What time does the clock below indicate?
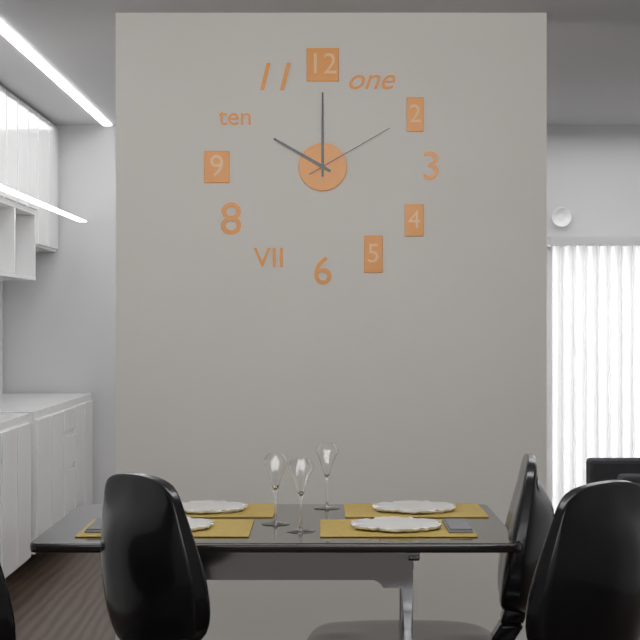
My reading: 10:00:10
